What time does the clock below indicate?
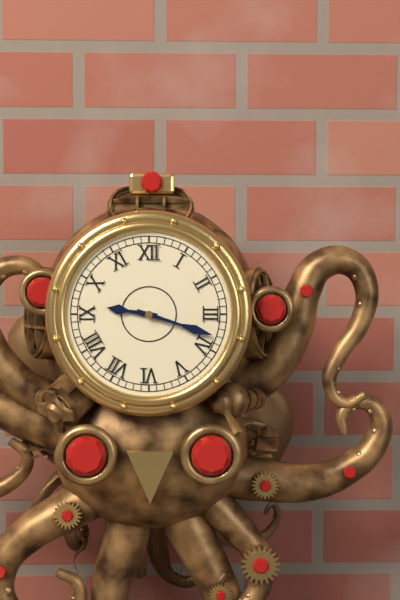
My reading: 9:18
